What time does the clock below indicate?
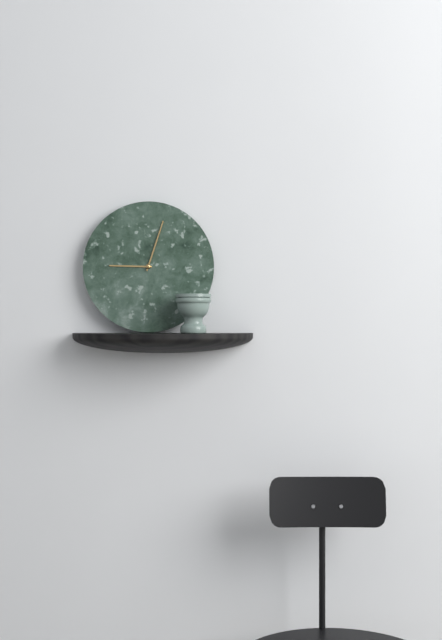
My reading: 9:03
